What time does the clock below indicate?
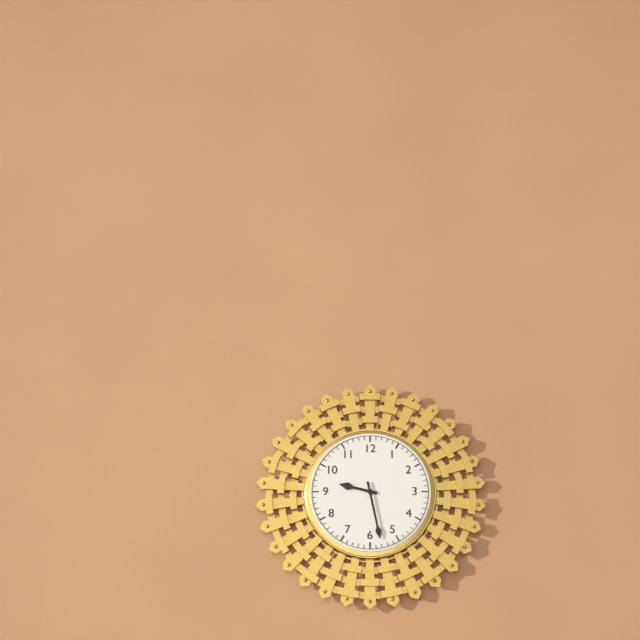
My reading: 9:28
